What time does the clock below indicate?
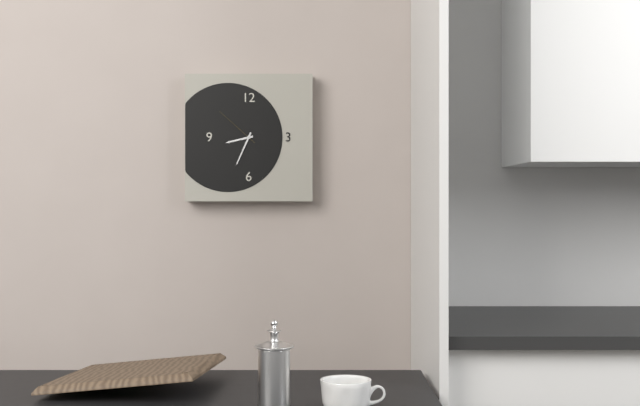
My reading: 8:34
